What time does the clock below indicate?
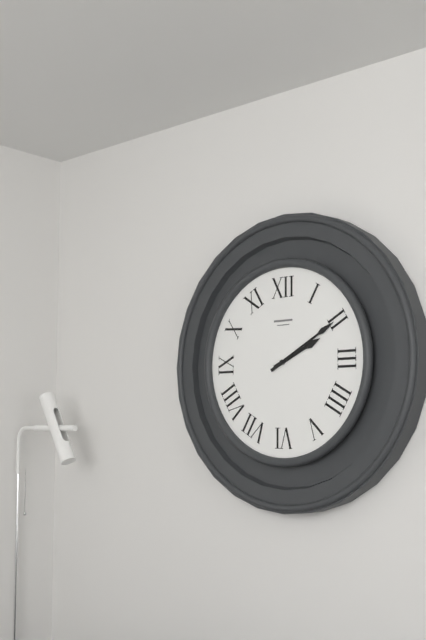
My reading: 2:10
